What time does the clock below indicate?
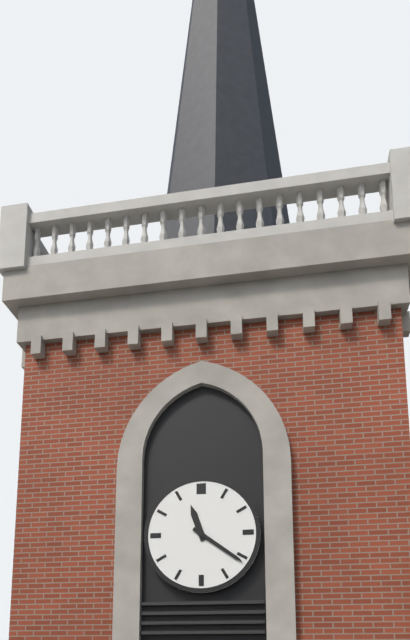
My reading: 11:21
